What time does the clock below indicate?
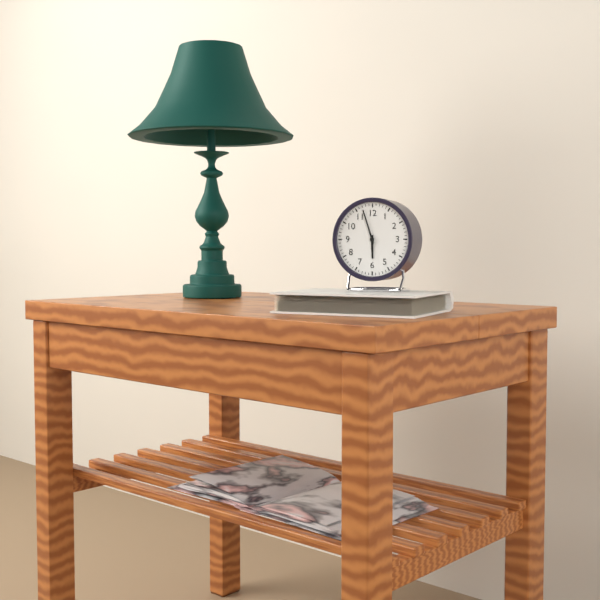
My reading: 5:57
